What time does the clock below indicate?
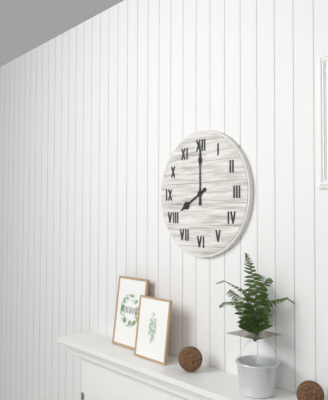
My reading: 8:00
